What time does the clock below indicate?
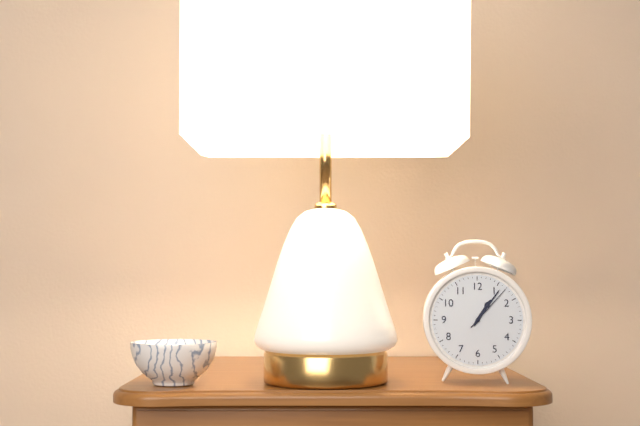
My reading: 1:06:07
